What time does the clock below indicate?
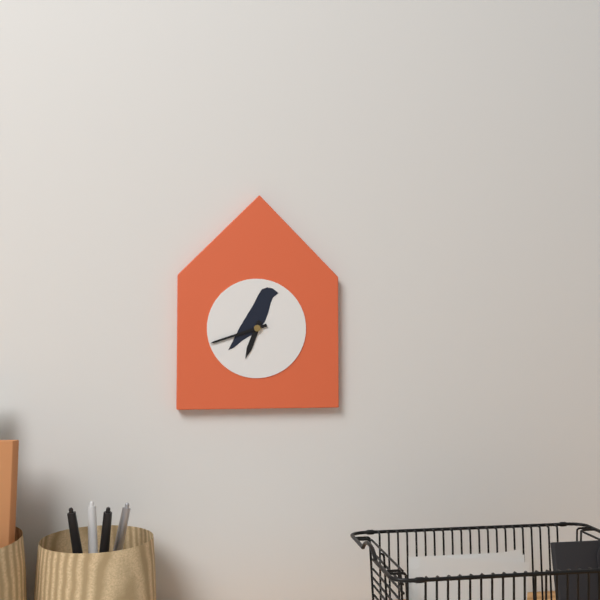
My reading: 6:42
